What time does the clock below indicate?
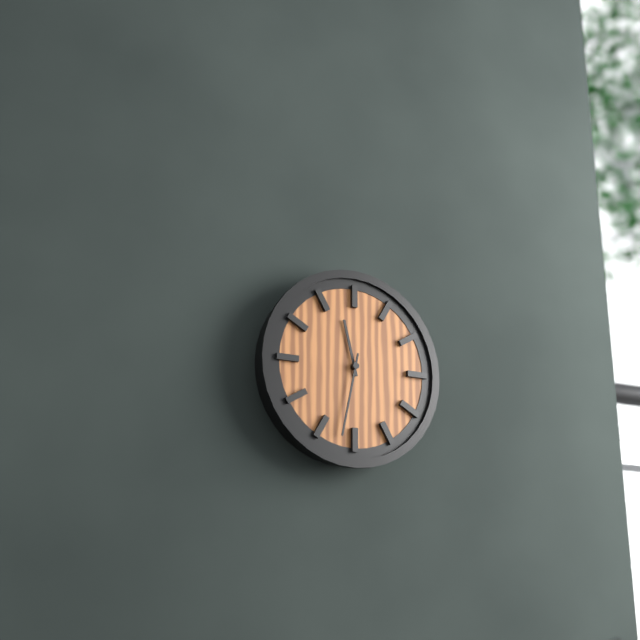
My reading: 11:32
